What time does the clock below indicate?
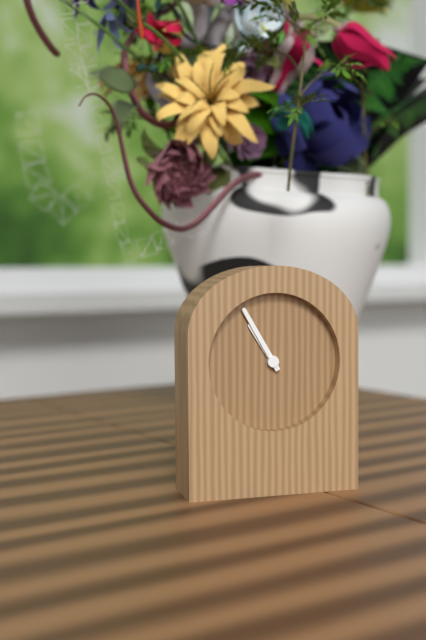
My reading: 10:55
